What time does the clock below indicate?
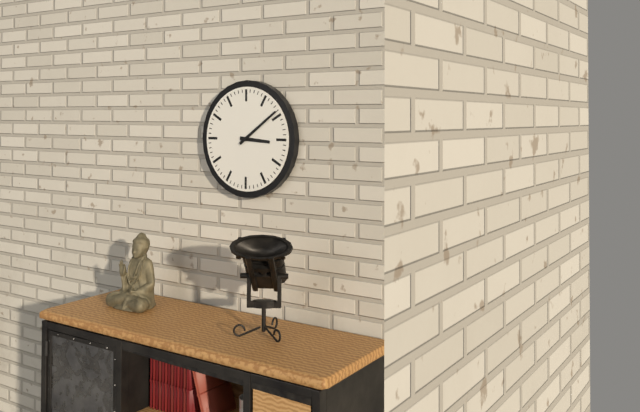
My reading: 3:09
